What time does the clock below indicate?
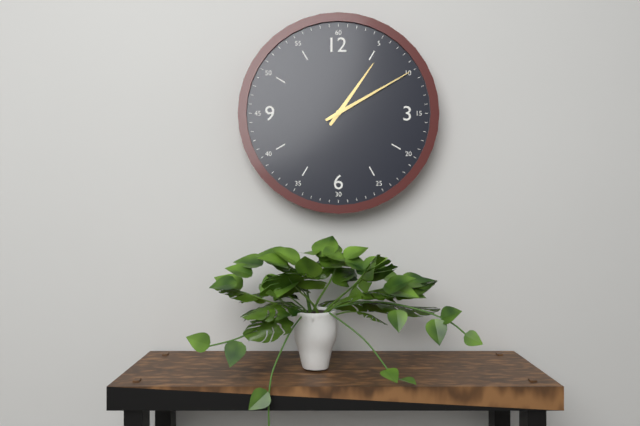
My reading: 1:10
